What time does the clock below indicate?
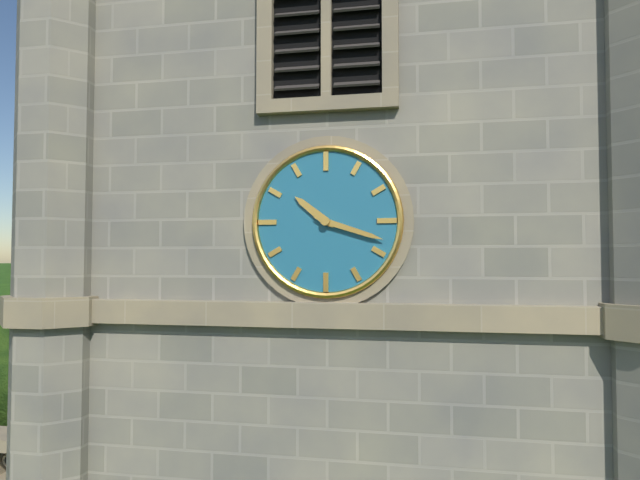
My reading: 10:18
